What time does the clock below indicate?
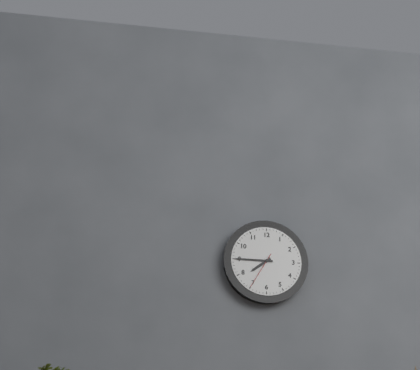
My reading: 7:45
